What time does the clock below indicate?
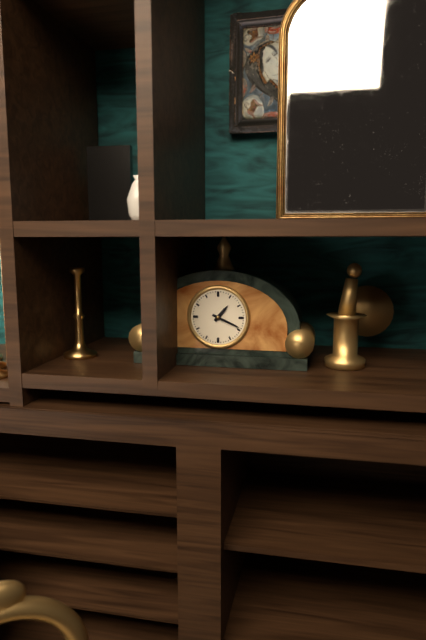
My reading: 1:19
